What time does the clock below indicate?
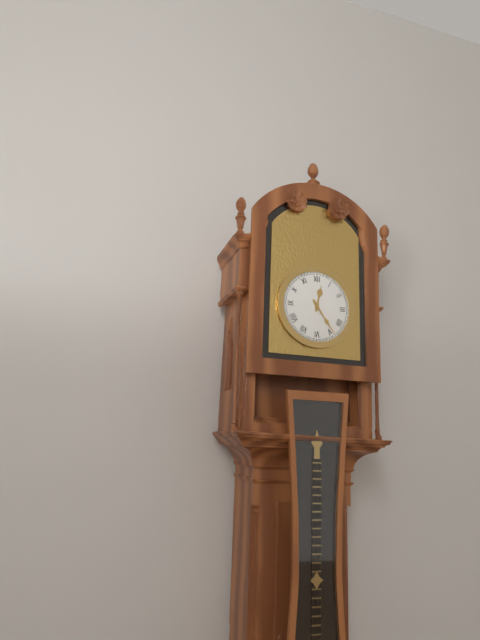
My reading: 12:24
